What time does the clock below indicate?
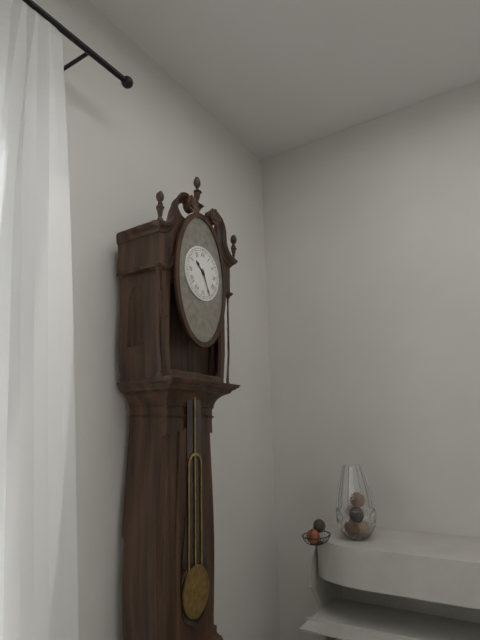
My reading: 10:26
